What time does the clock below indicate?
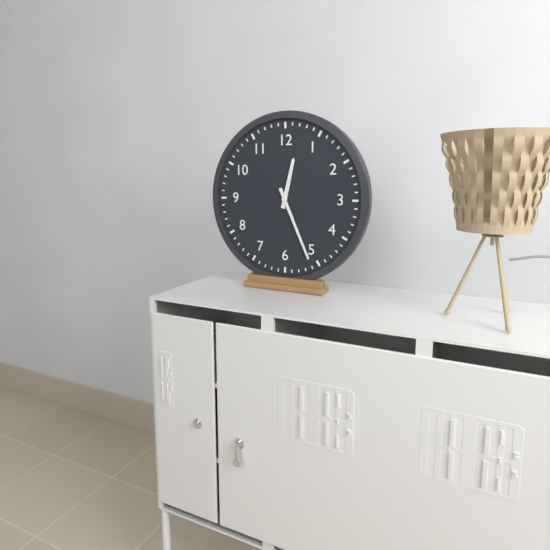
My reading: 12:26
